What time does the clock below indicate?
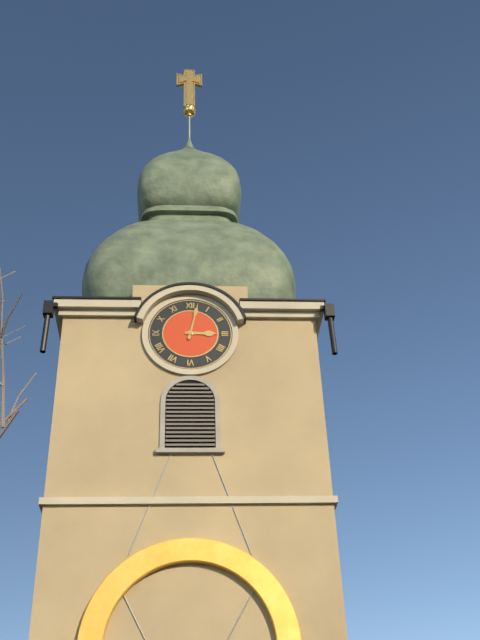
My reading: 3:02
